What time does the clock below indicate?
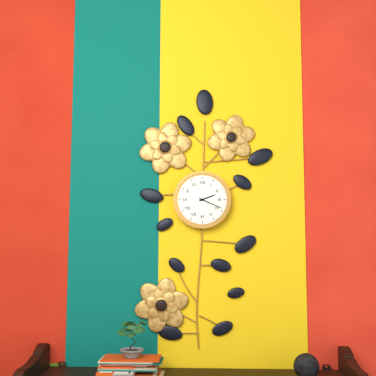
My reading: 2:19
